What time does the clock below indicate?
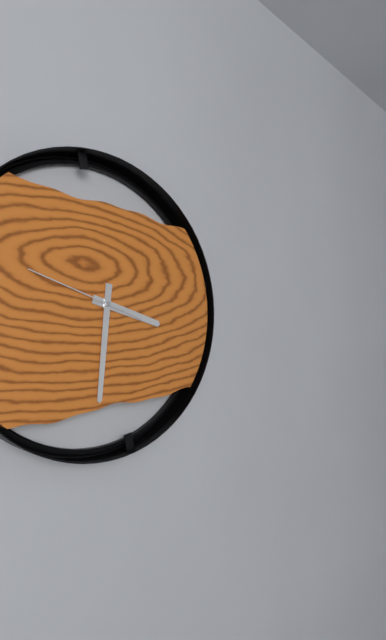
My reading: 3:31:48
